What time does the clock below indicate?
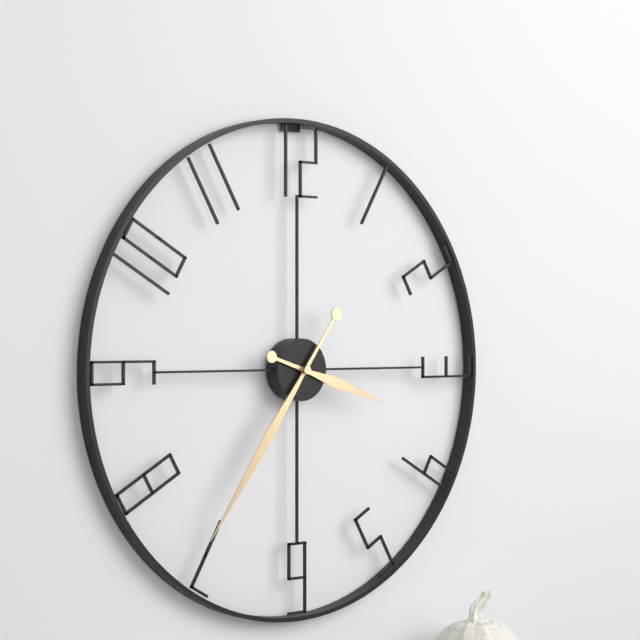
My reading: 3:36
